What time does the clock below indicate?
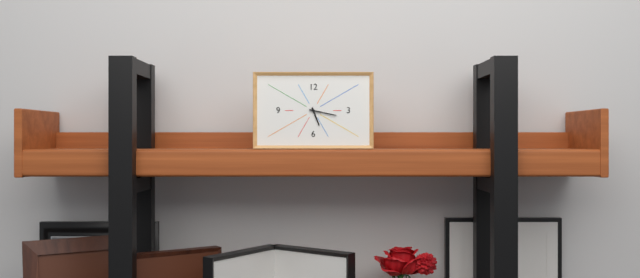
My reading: 5:17
